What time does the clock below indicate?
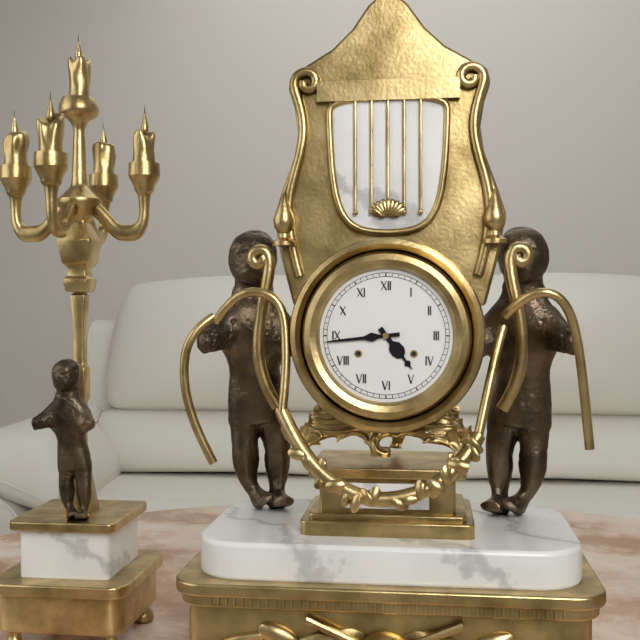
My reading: 4:44
